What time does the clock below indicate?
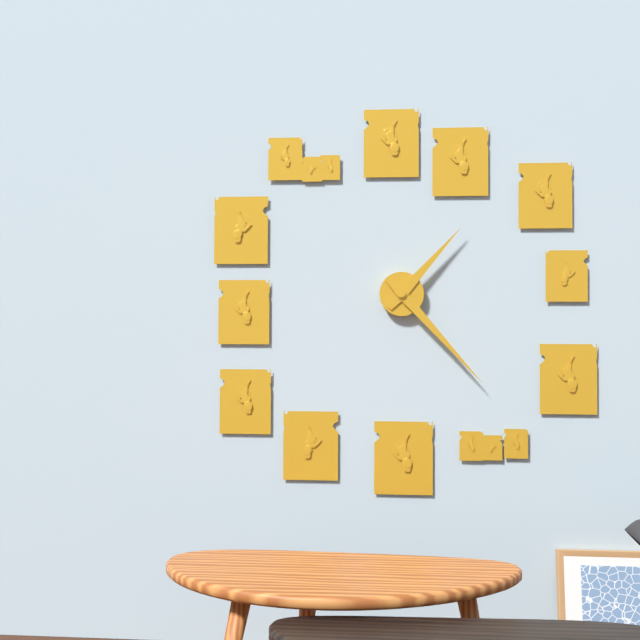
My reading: 1:23
